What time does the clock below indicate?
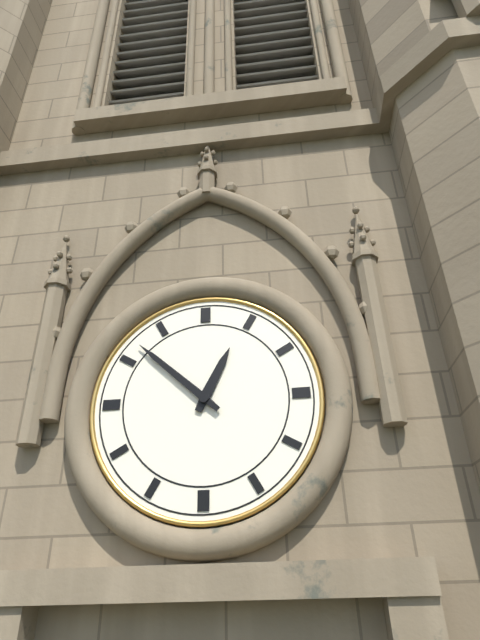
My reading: 12:52
